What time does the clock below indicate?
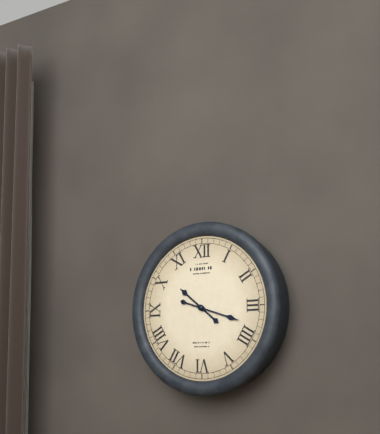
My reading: 10:18
